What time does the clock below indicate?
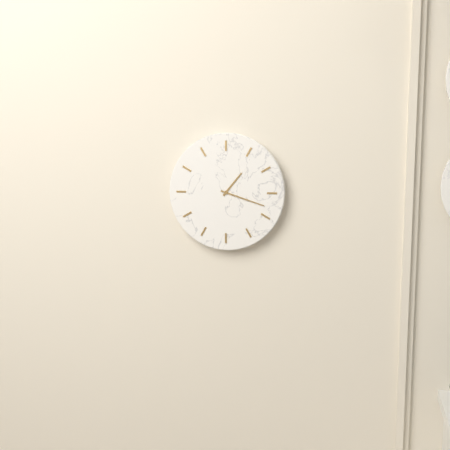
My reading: 1:18
